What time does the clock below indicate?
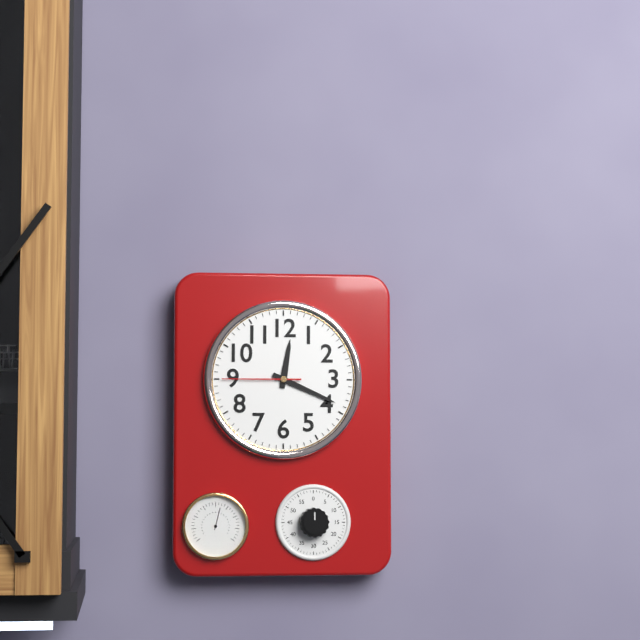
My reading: 12:19:45
